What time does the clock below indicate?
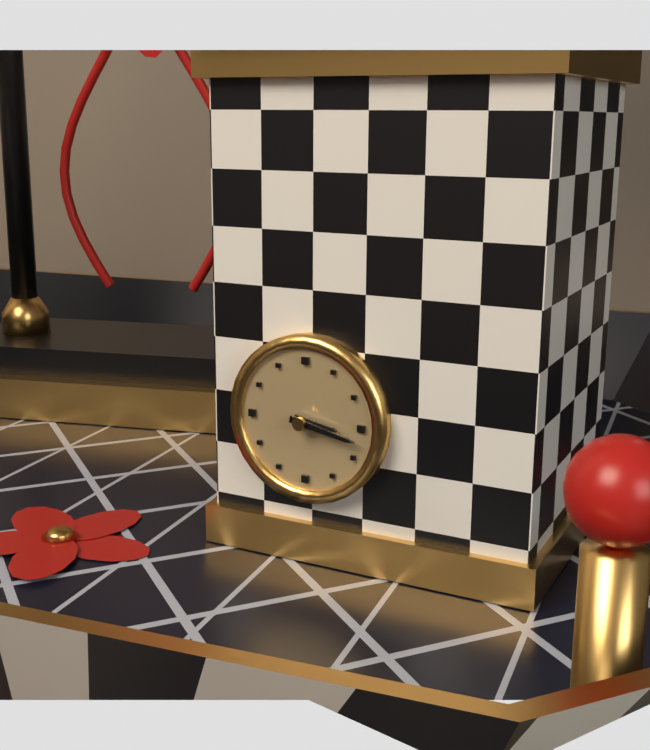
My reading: 3:17
